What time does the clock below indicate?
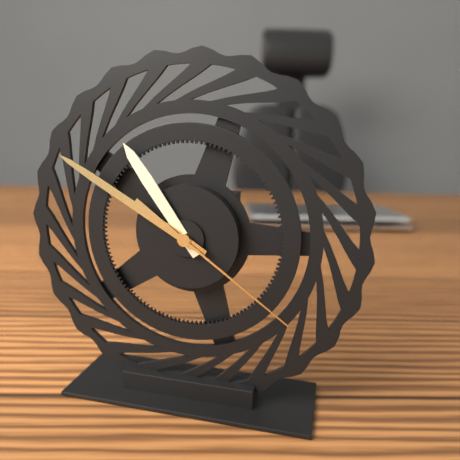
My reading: 10:50:21
